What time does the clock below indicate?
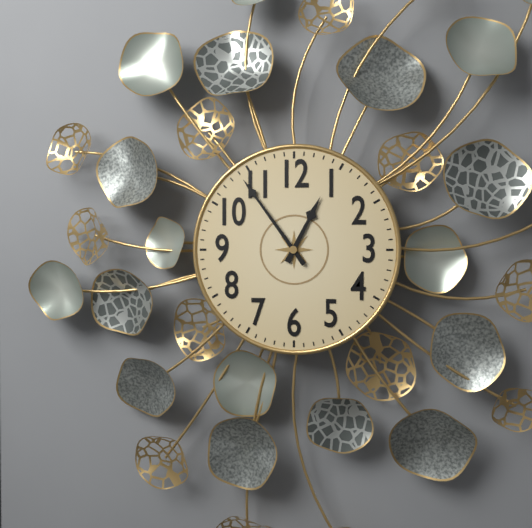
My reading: 12:54
